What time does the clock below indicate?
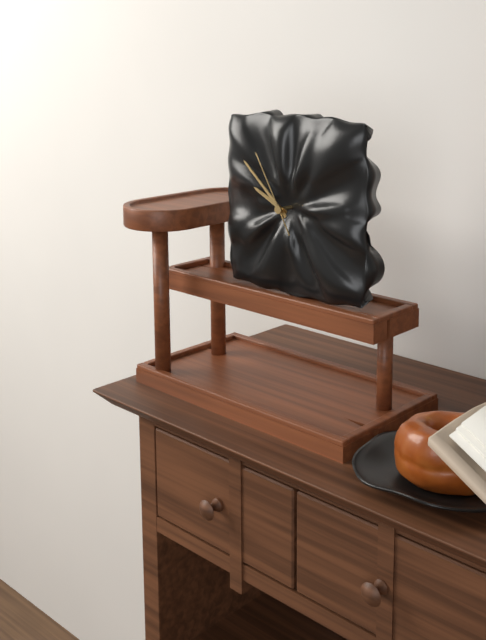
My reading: 9:52:55
